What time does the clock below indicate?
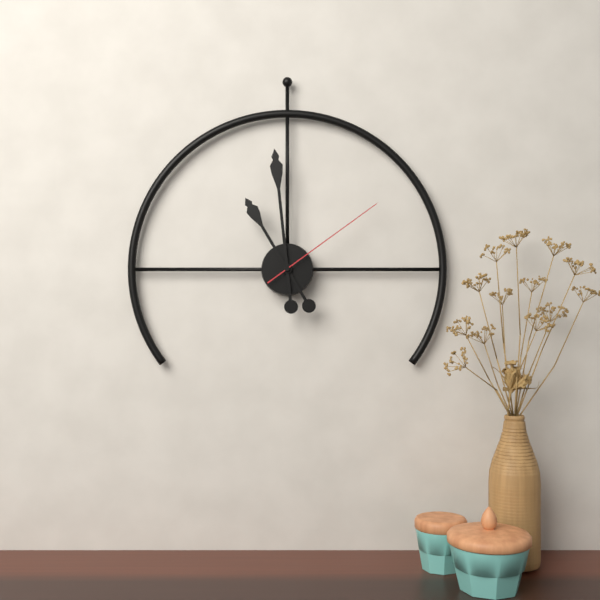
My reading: 10:59:09
